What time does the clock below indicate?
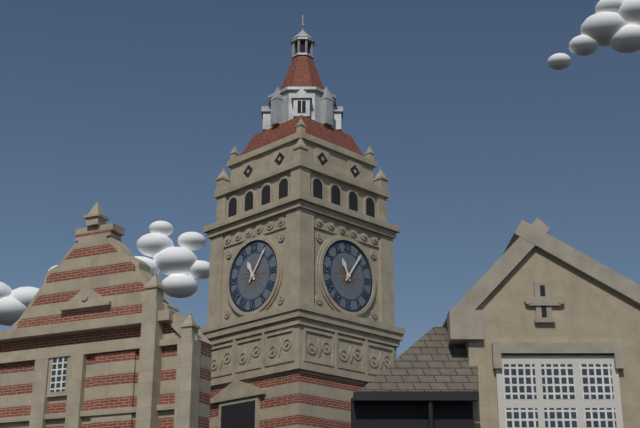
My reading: 11:06
